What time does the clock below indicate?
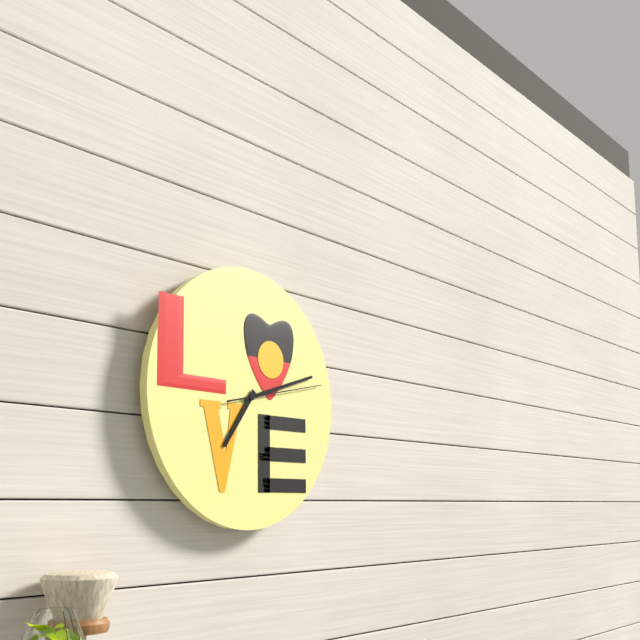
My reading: 7:12:13
